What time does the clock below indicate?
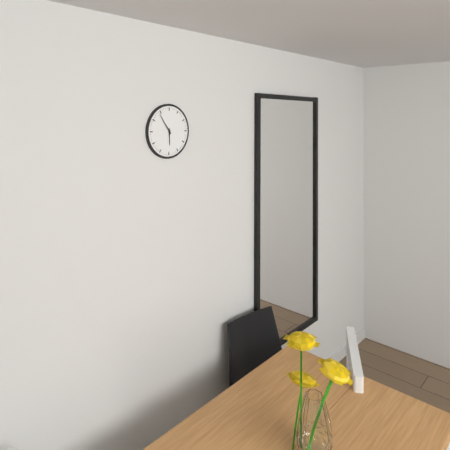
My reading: 5:54
